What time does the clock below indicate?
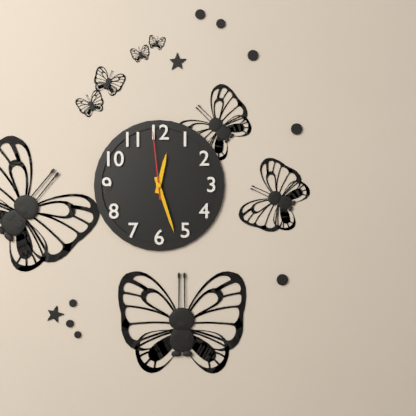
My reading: 12:27:59
